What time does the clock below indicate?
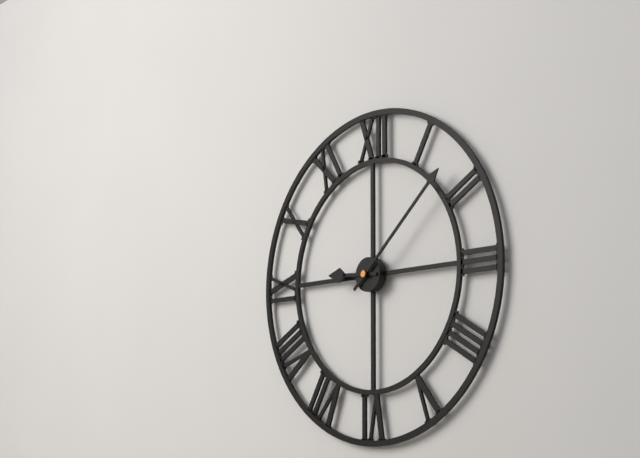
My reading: 9:08
